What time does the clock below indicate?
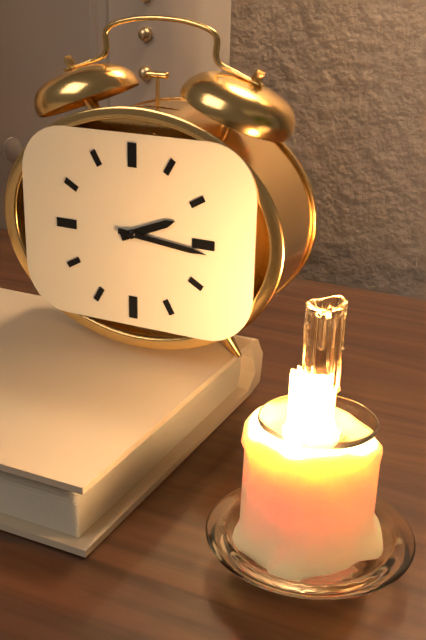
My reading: 2:16
